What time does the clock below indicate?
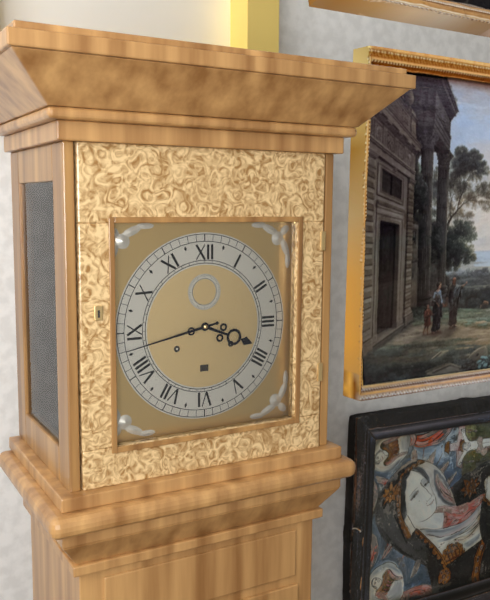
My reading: 3:43
